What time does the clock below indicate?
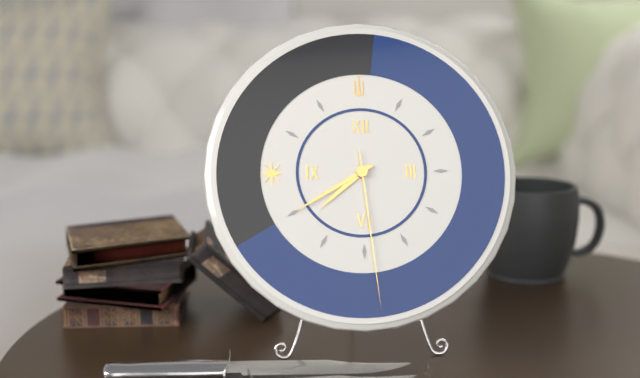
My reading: 7:40:29
